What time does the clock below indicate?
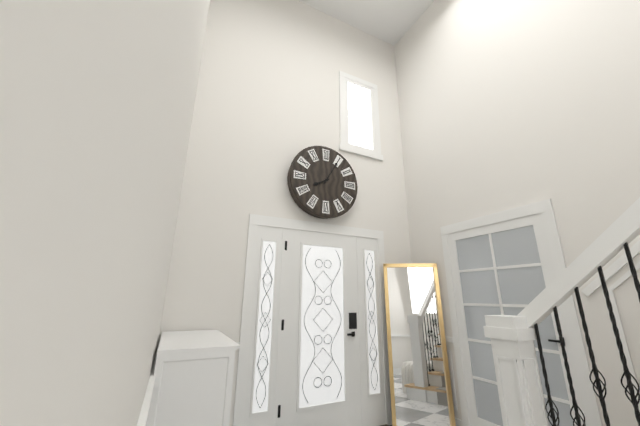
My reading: 8:05
